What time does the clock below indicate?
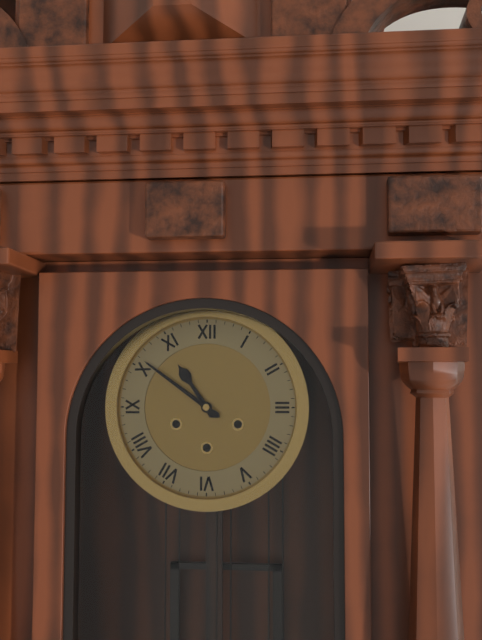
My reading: 10:51
